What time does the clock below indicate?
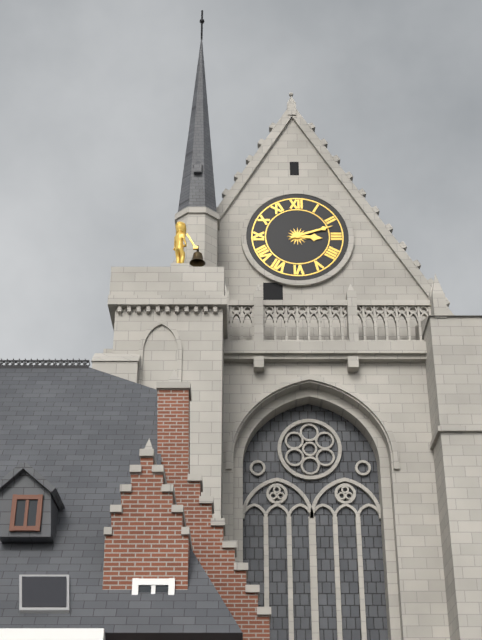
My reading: 3:12
